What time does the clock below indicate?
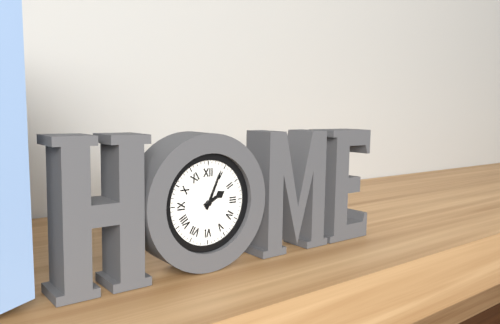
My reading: 2:04
